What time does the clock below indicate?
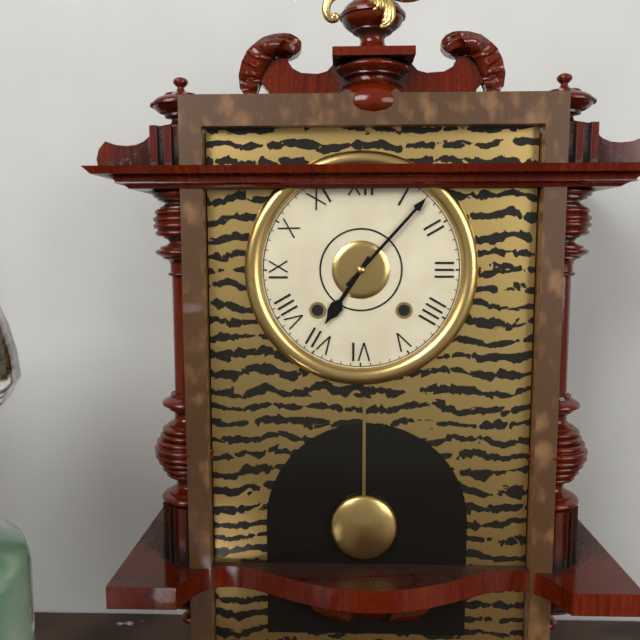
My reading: 7:07
